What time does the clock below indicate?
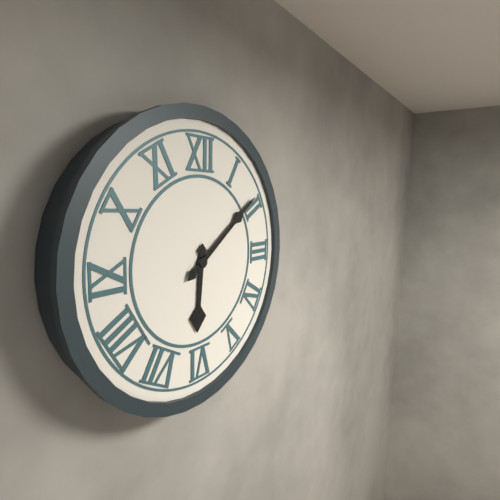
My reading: 6:09
